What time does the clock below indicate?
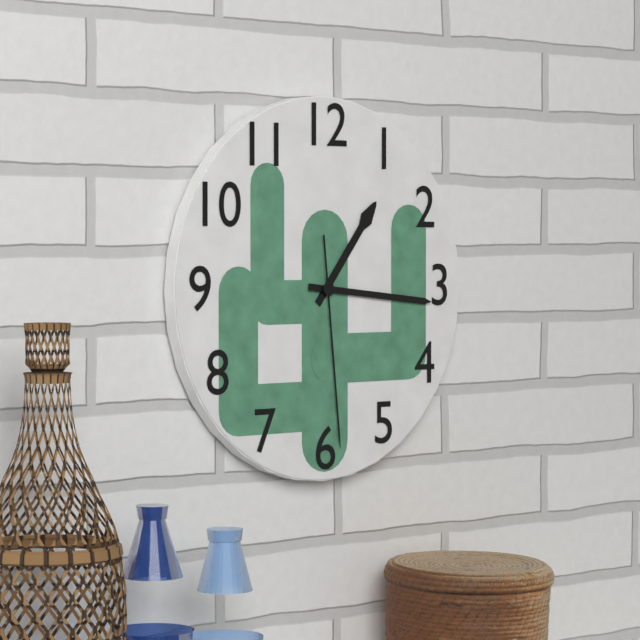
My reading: 1:16:29
